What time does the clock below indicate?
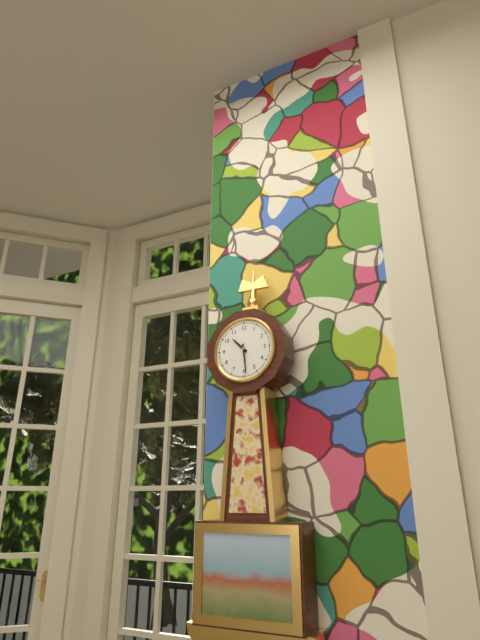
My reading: 10:29
